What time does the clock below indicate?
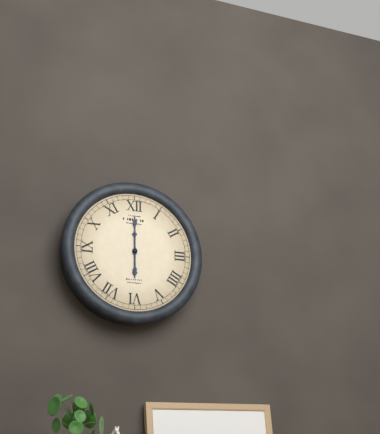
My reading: 6:00
